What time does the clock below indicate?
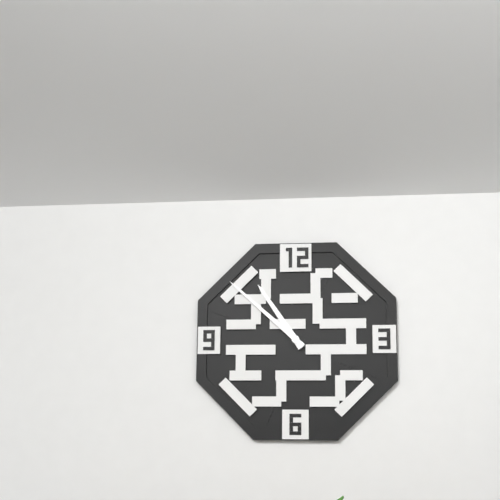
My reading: 10:52
